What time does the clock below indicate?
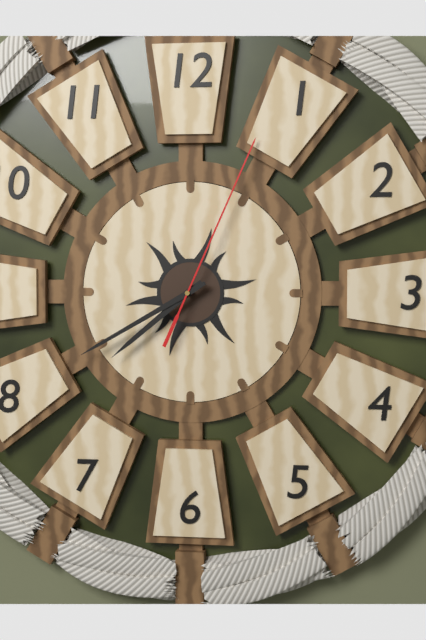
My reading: 7:40:04
